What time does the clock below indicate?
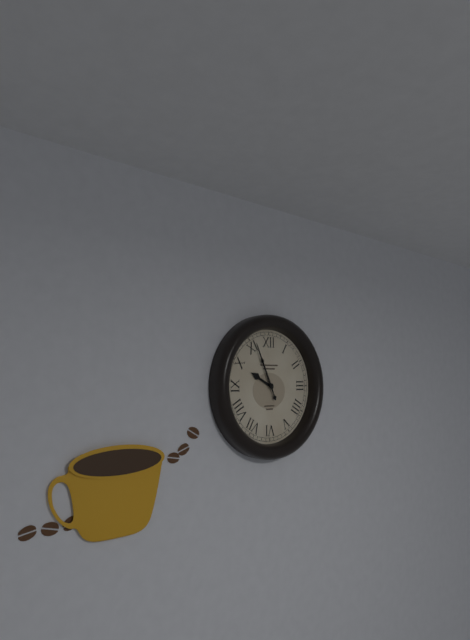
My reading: 9:56
